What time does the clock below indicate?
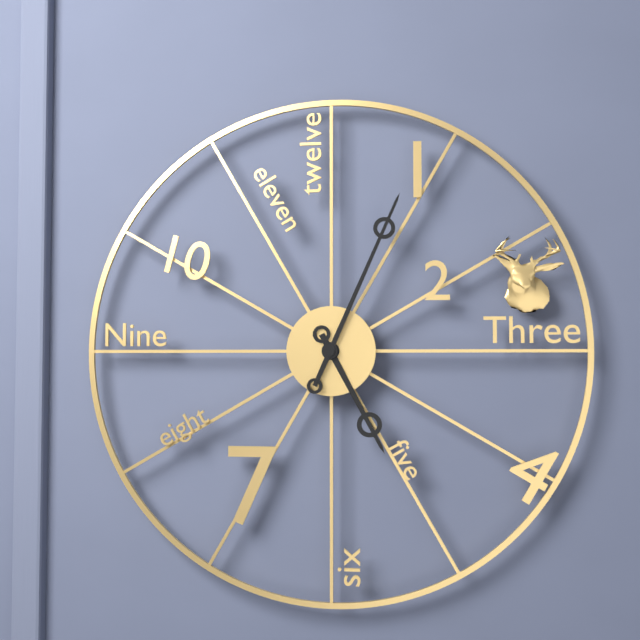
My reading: 5:04
